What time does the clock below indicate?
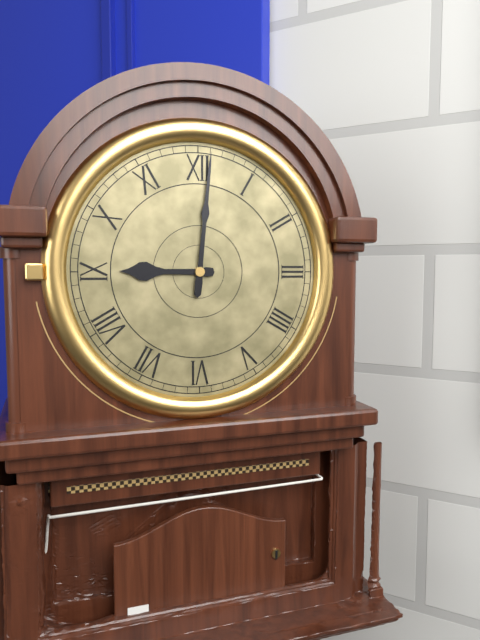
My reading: 9:01
